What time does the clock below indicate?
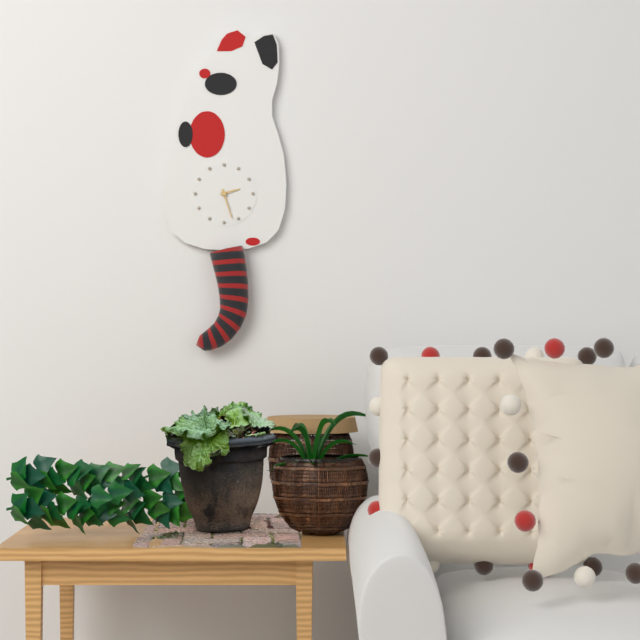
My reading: 2:27
